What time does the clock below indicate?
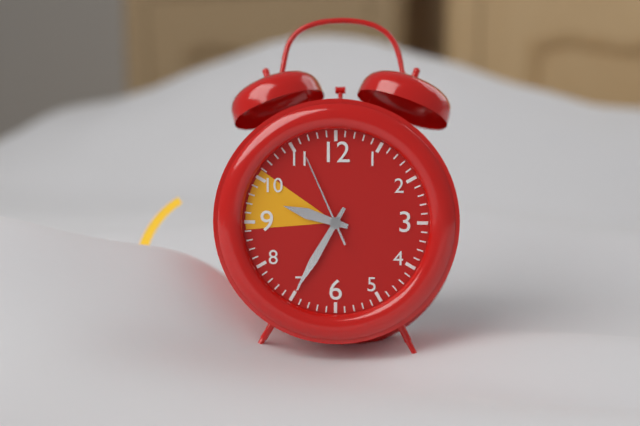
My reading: 9:35:56
